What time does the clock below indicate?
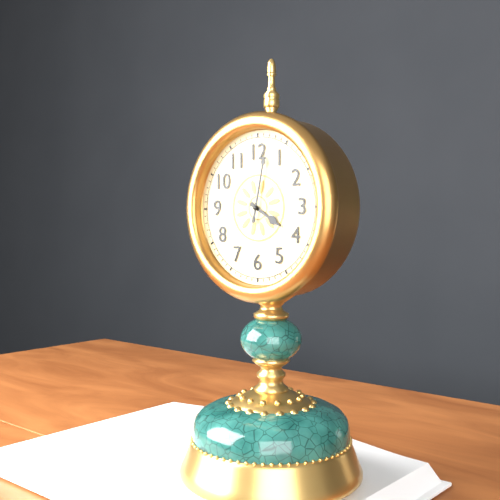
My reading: 4:02
